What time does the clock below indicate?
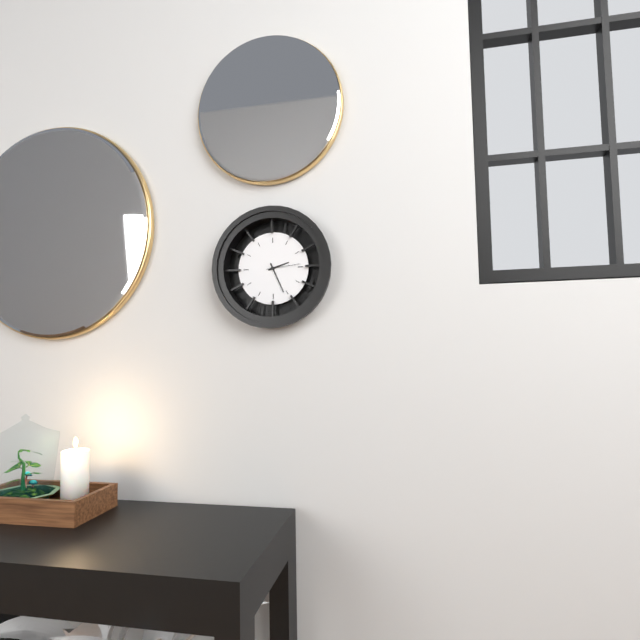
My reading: 2:26
